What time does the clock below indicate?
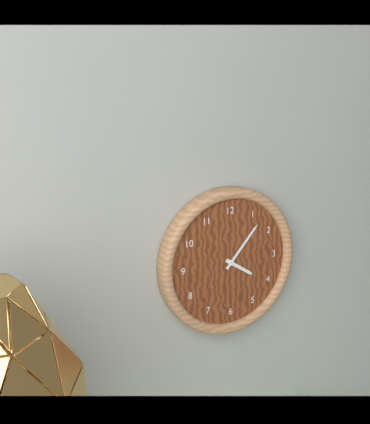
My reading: 4:07
